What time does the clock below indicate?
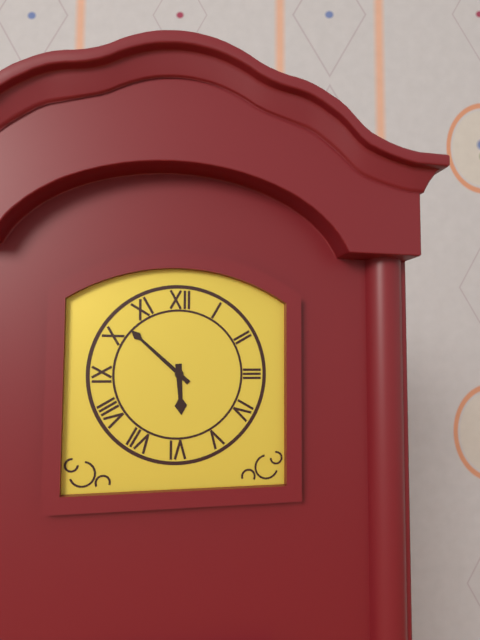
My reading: 5:52
